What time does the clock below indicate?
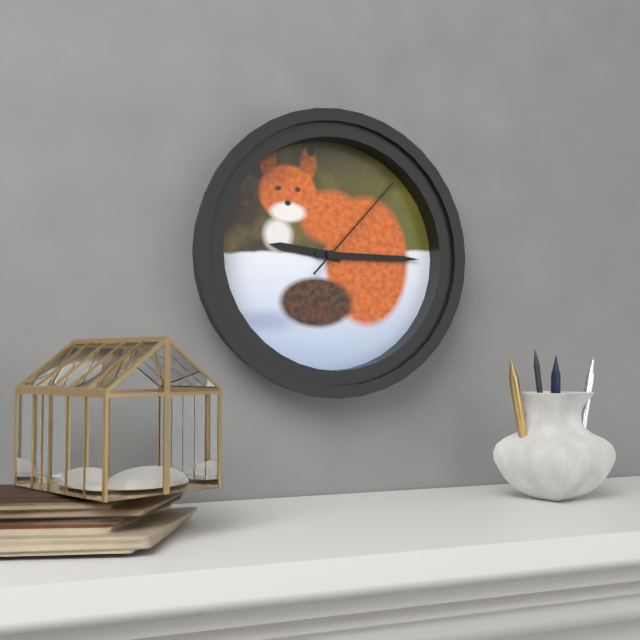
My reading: 9:15:07
